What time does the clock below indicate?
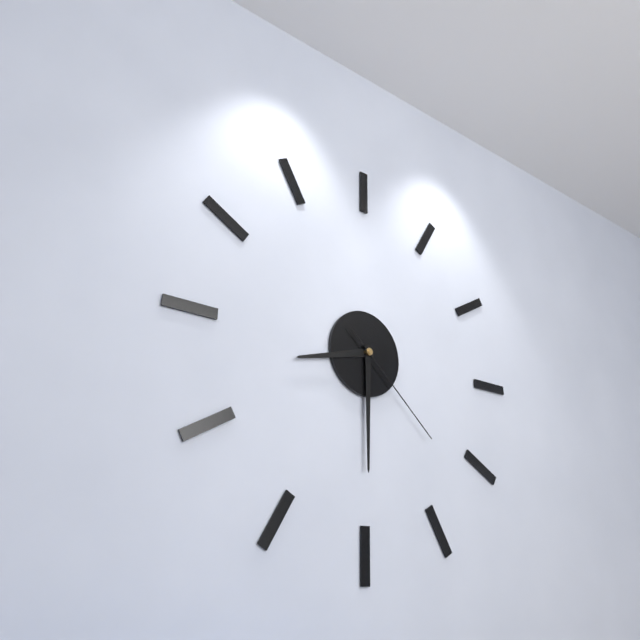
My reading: 8:30:22
